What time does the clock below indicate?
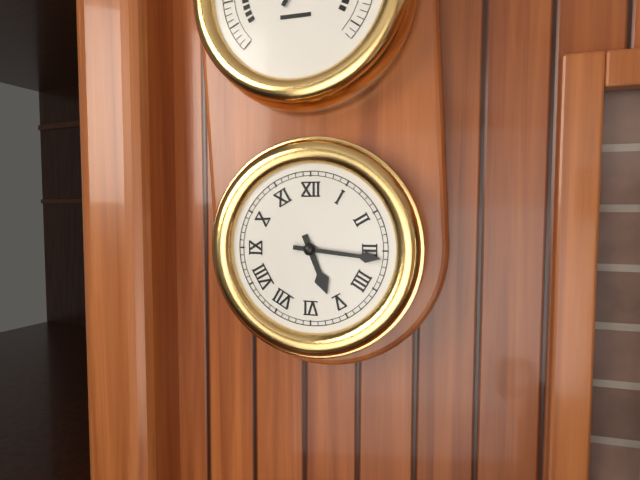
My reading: 5:16
